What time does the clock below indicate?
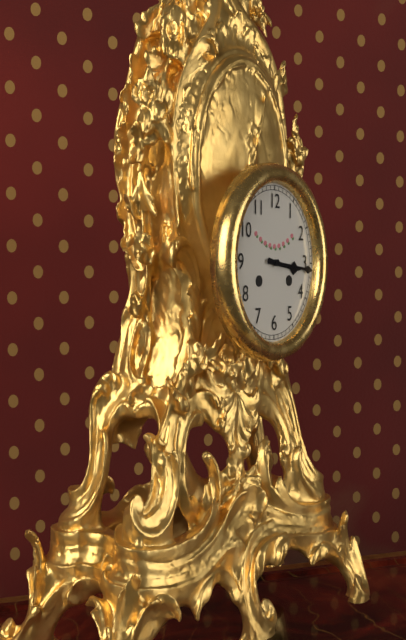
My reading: 3:16
